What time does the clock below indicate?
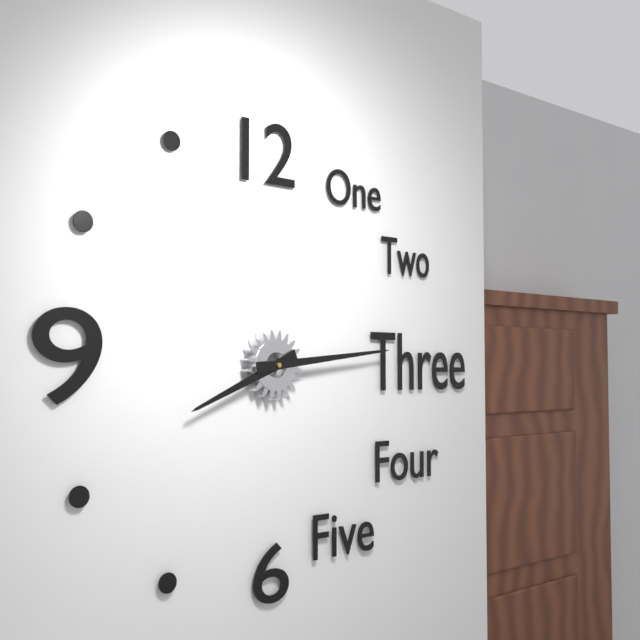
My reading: 8:14
